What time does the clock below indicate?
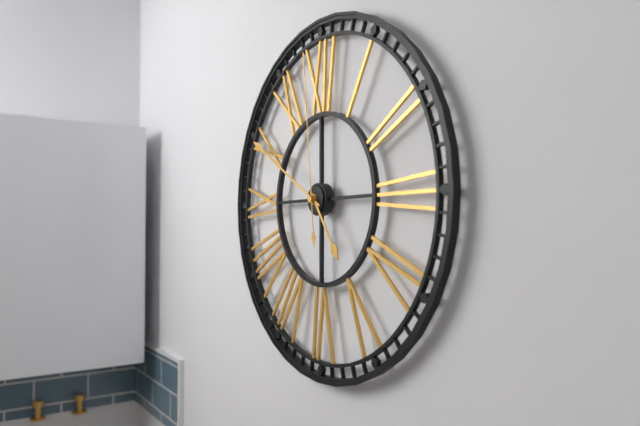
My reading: 4:50:59
